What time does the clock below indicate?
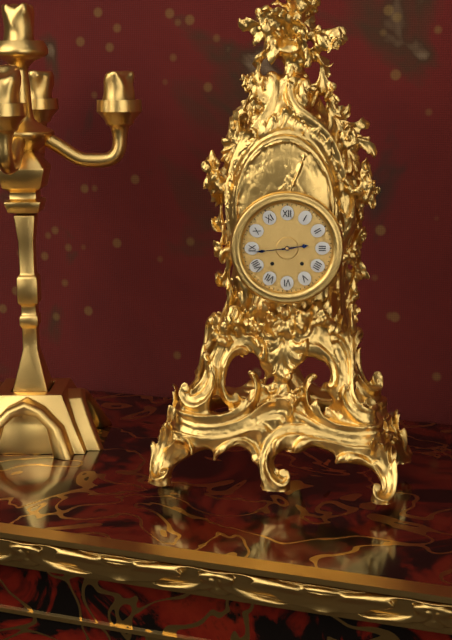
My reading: 2:44
